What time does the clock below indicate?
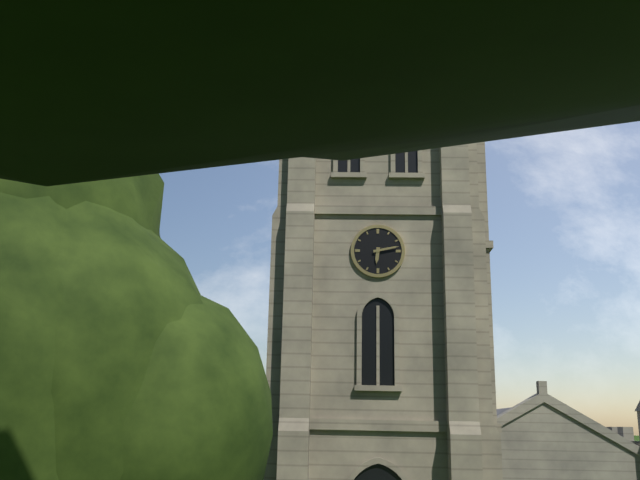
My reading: 6:13
